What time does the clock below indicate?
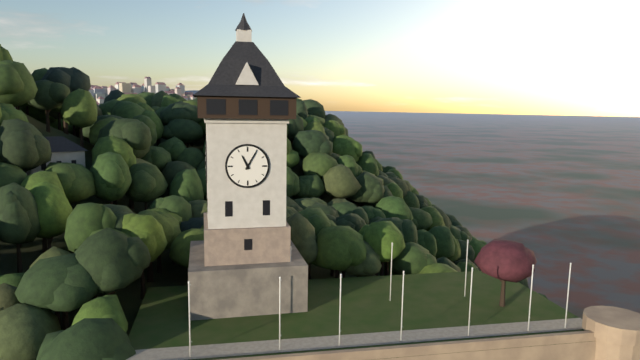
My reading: 11:05
